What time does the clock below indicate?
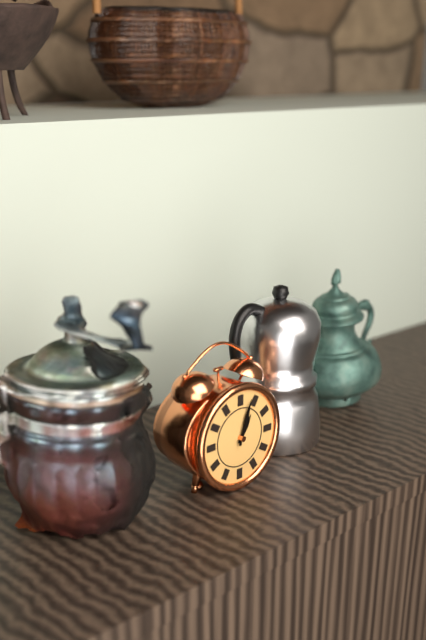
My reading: 1:03
